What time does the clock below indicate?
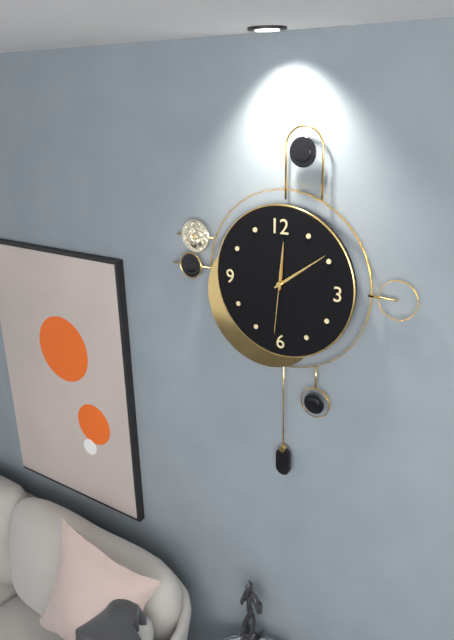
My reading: 12:09:31
